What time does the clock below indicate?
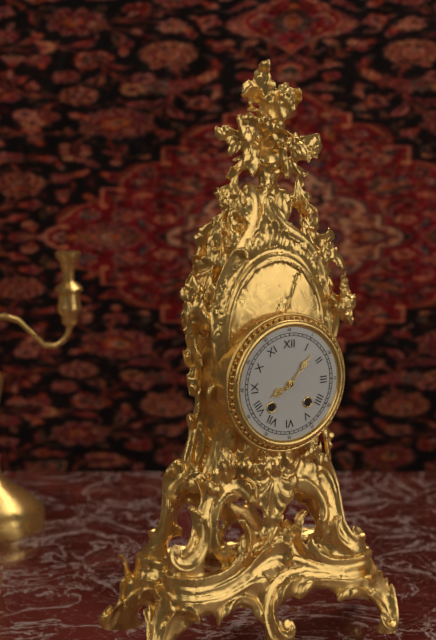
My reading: 8:07
